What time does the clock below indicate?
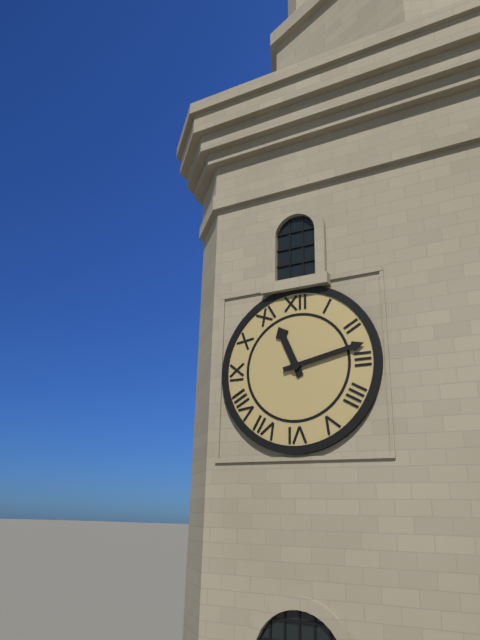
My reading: 11:13
